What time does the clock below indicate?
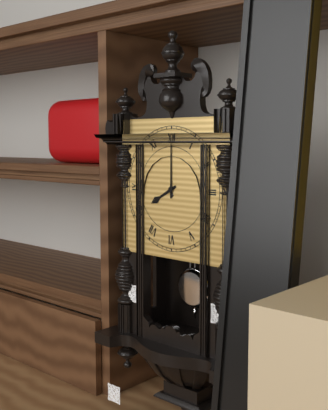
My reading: 8:00
